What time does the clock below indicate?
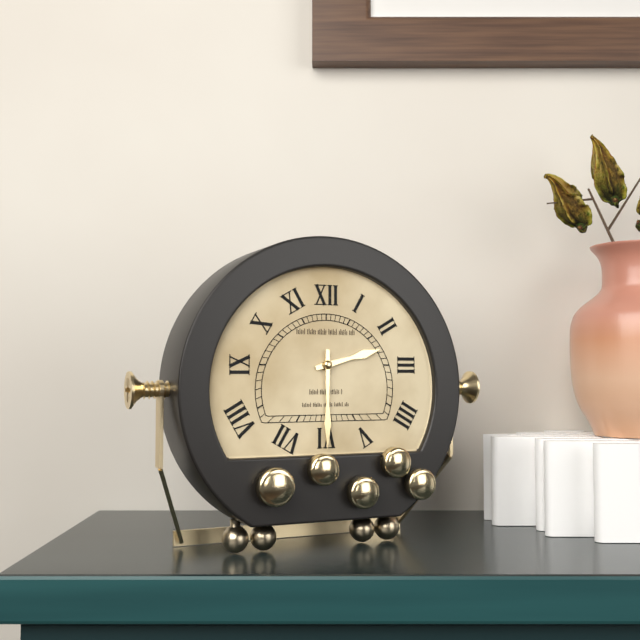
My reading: 2:30
